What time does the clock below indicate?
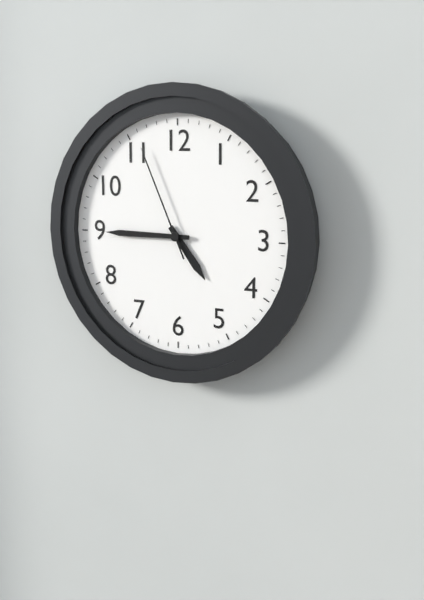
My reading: 4:45:56
